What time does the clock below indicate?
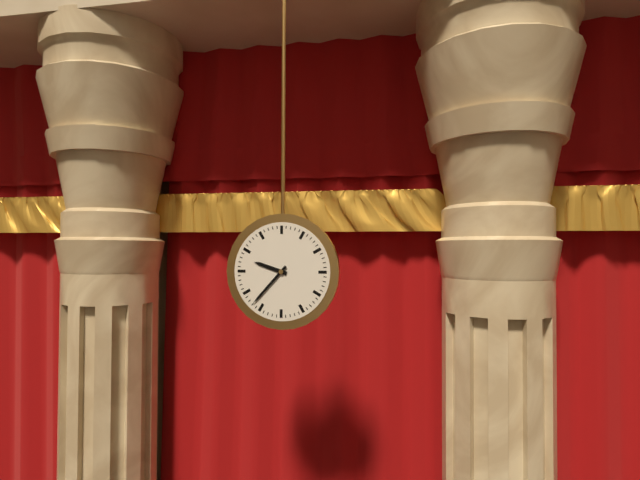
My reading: 9:37
